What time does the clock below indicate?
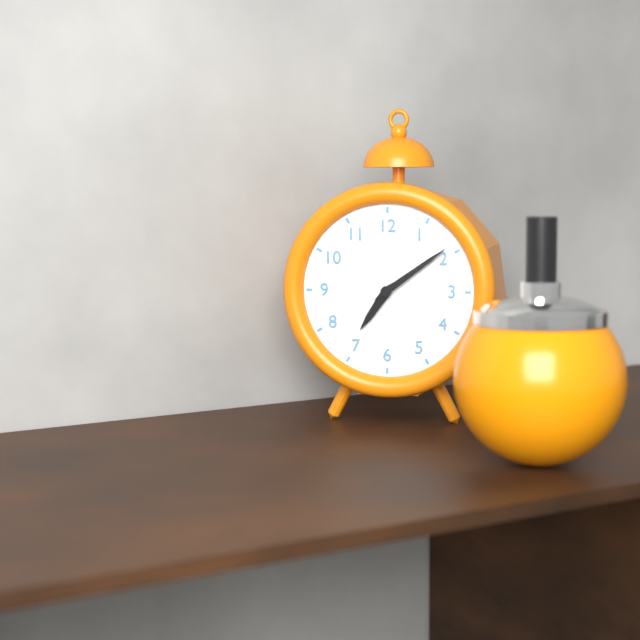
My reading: 7:09
